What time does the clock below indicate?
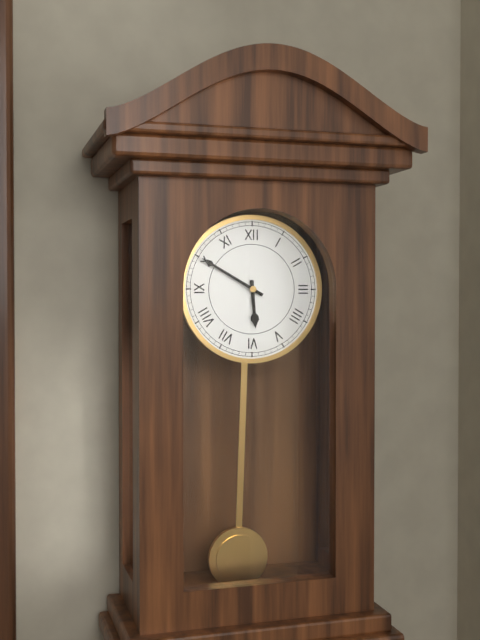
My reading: 5:50
